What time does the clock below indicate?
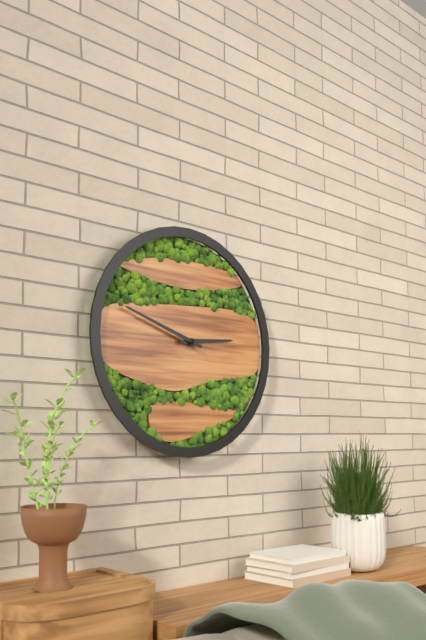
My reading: 2:48
